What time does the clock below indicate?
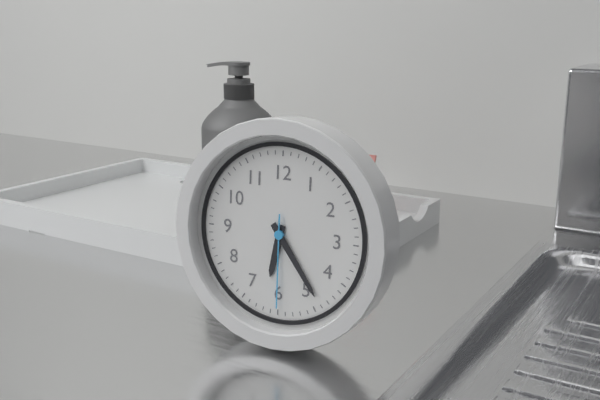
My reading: 6:24:30
